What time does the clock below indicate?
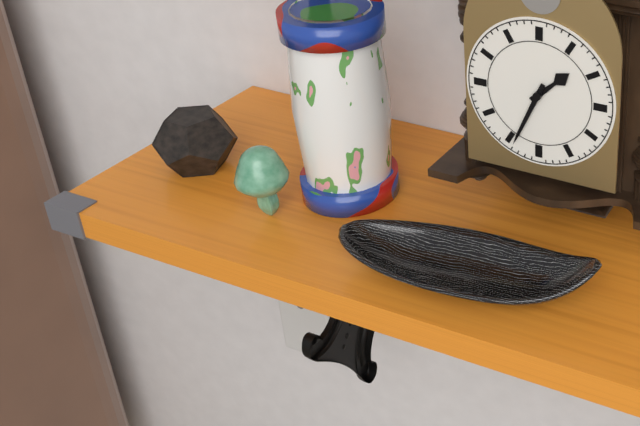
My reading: 1:34
